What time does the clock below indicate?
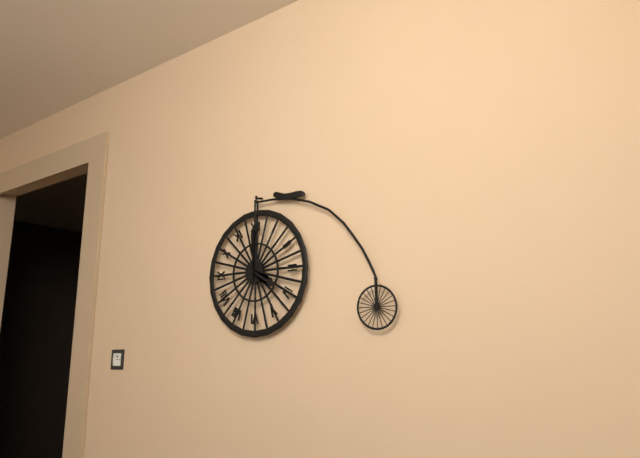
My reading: 4:00
